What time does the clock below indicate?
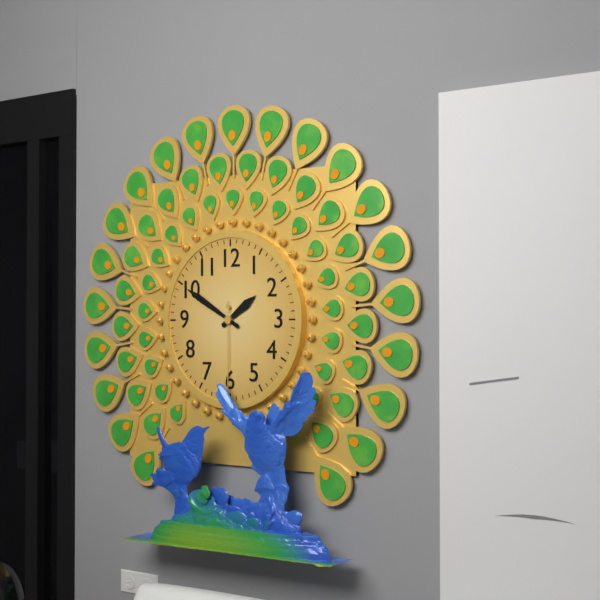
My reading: 1:50:30
